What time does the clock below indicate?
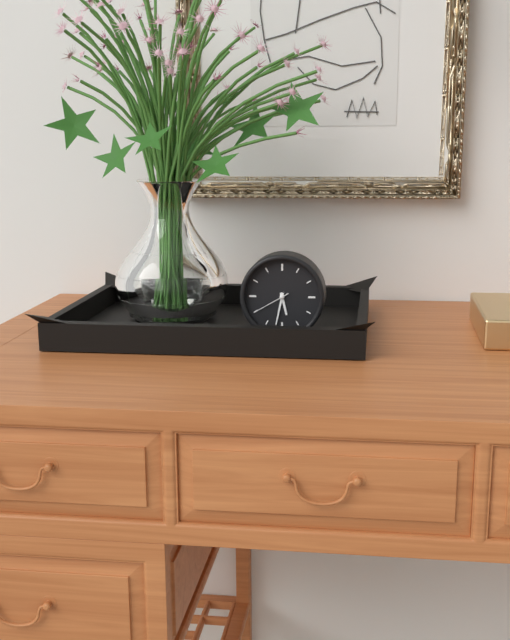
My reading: 5:32
